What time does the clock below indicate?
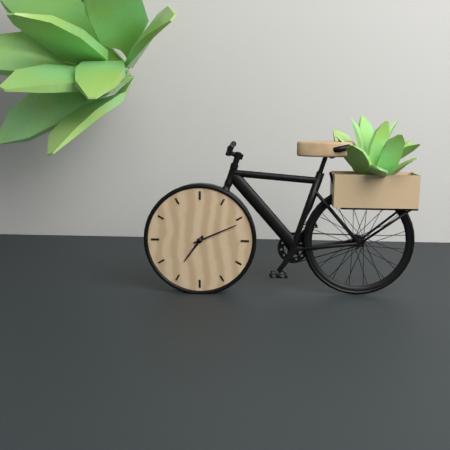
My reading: 7:11
